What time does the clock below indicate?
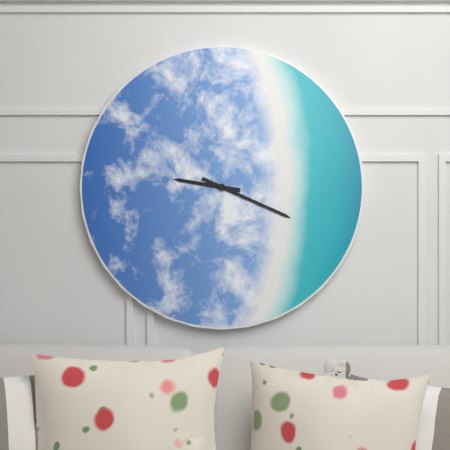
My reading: 9:19
